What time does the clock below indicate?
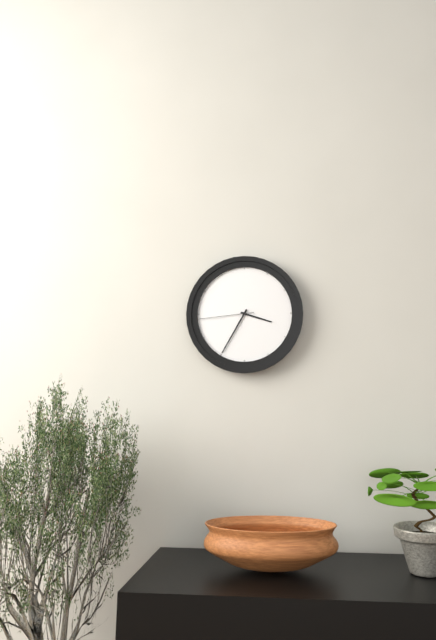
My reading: 3:35:44
